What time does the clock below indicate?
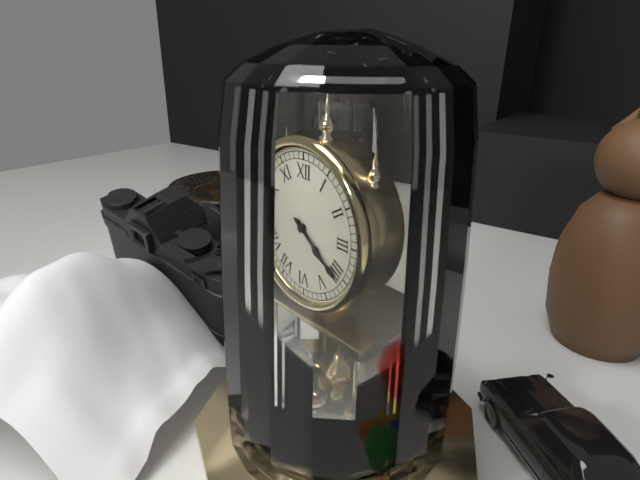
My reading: 4:21
